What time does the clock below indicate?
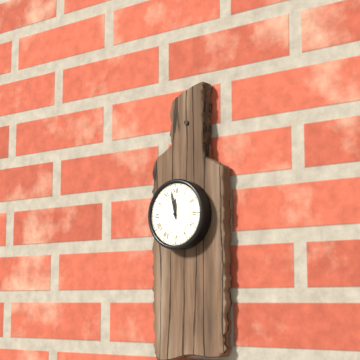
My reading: 11:58
